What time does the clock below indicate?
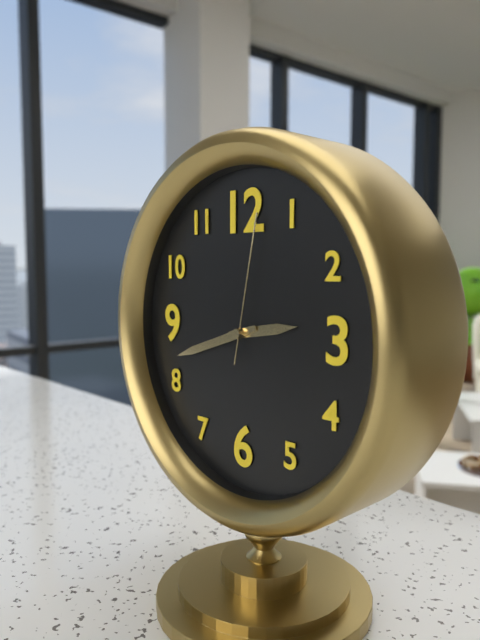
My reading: 2:42:02
